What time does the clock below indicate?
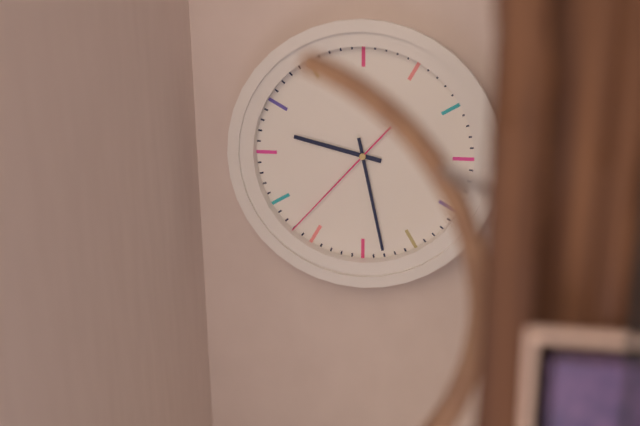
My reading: 9:28:37
